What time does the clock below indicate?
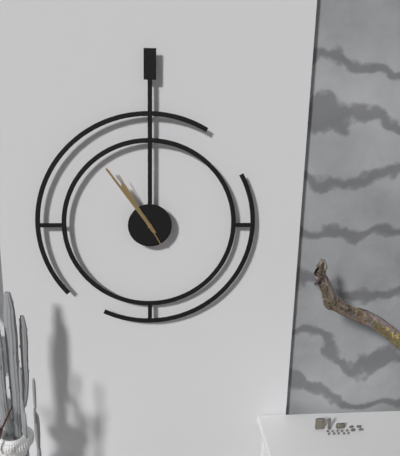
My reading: 10:54:55
